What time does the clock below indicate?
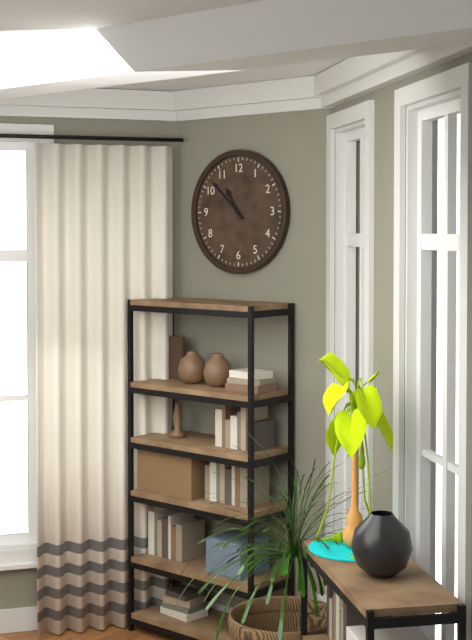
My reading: 10:52
